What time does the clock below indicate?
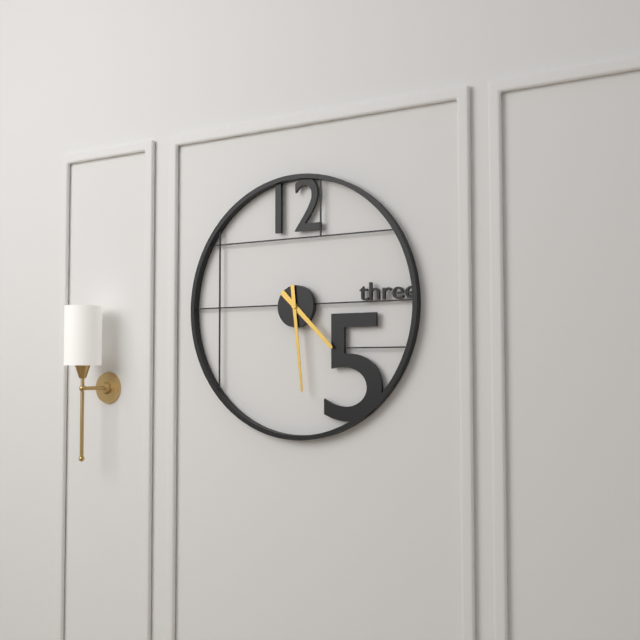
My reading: 4:29
